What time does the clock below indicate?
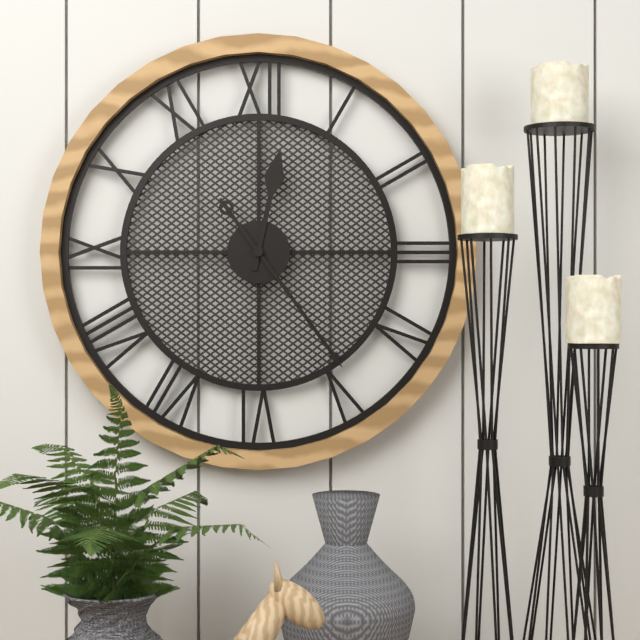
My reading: 12:24
